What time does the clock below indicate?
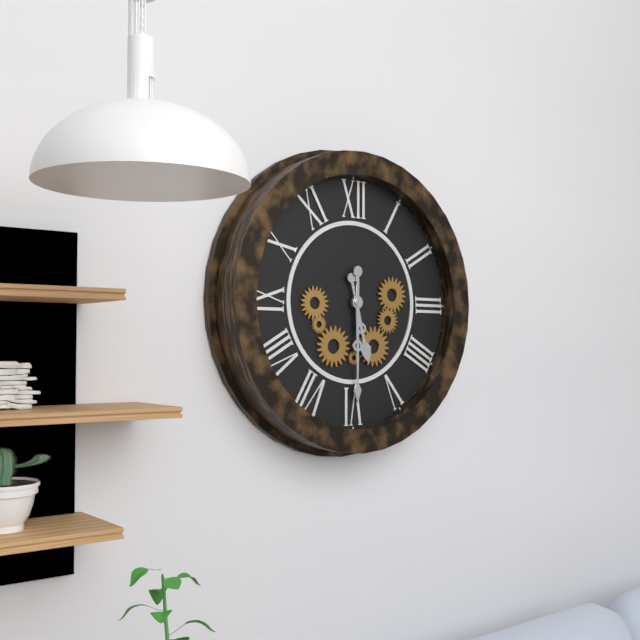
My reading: 5:30
